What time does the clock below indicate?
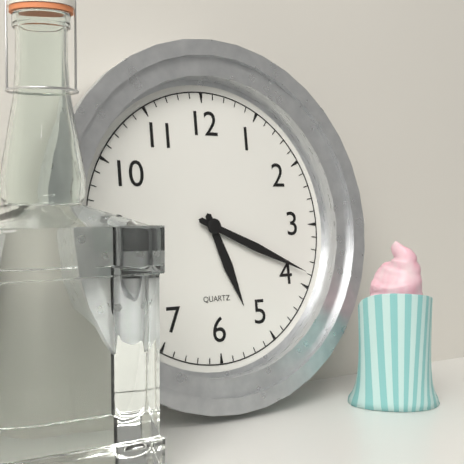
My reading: 5:19
